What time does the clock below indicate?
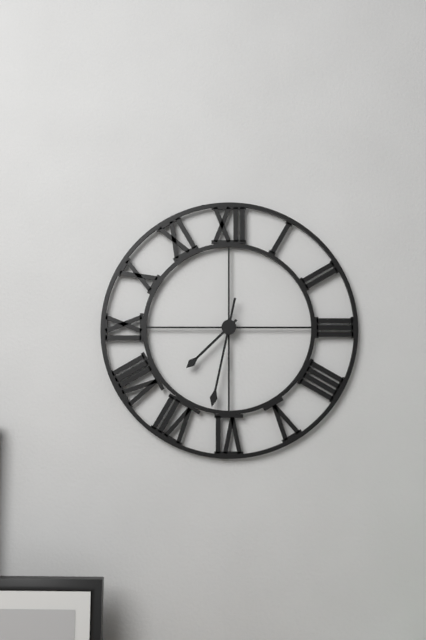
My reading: 7:32
